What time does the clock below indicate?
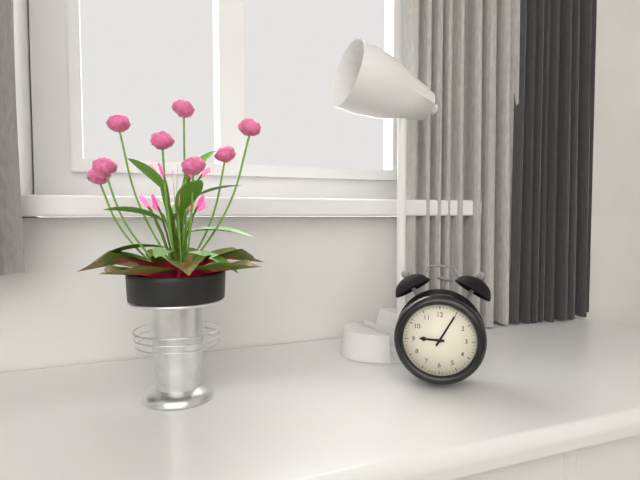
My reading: 9:05
